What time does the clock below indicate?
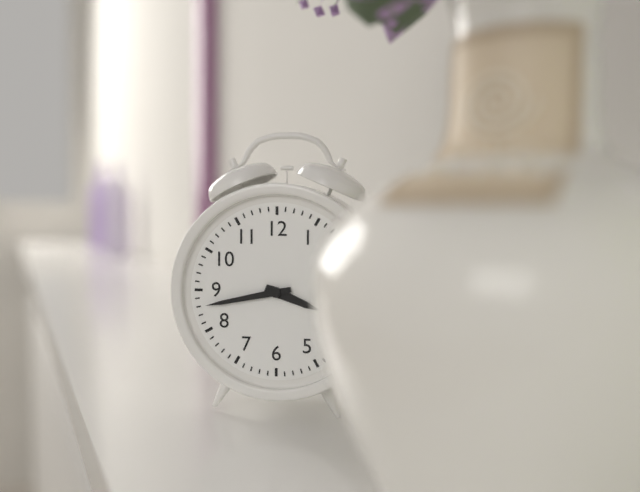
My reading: 3:43
